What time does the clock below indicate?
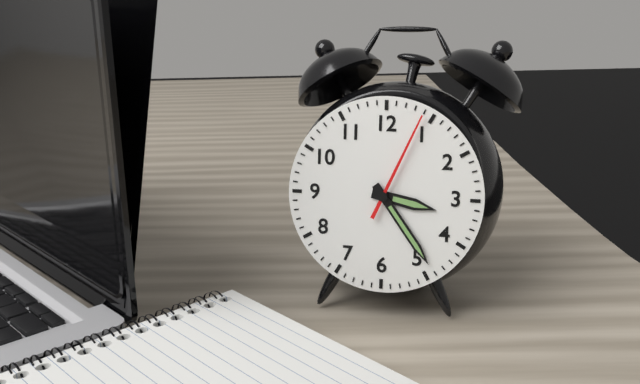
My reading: 3:24:04
